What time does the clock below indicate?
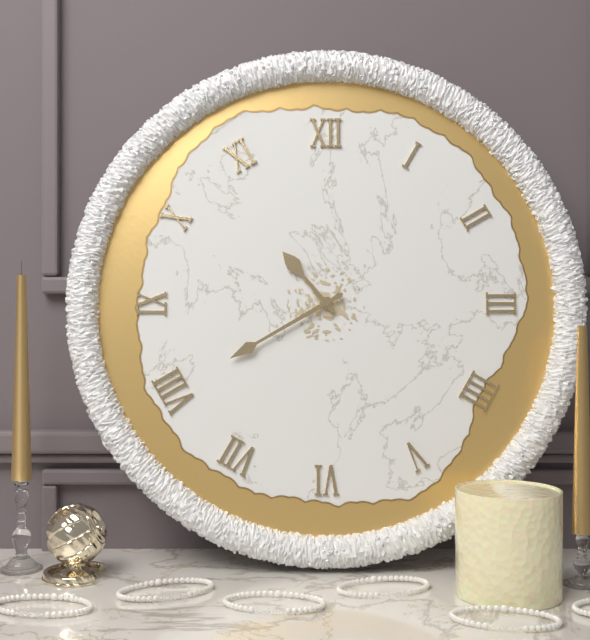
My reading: 10:40
